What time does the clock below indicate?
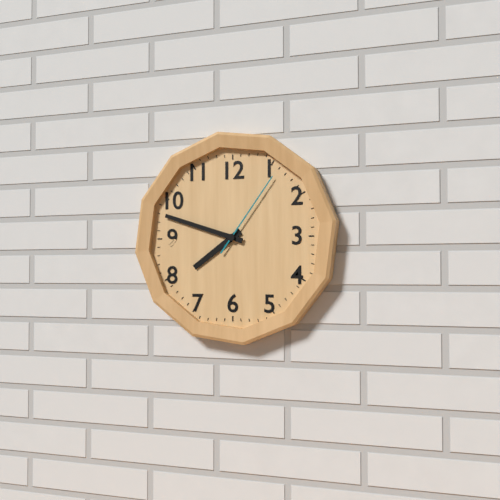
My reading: 7:48:06
